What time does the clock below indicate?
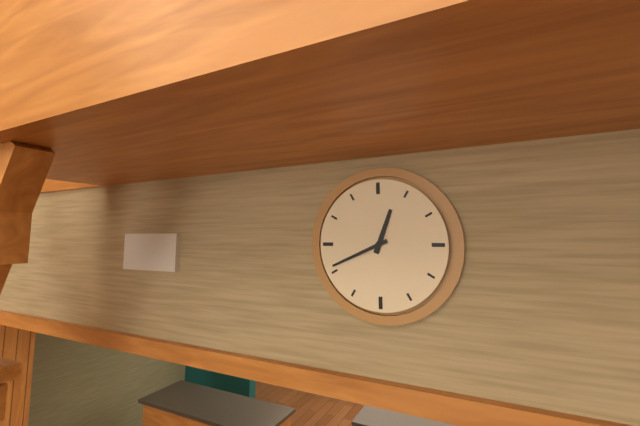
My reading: 12:41
